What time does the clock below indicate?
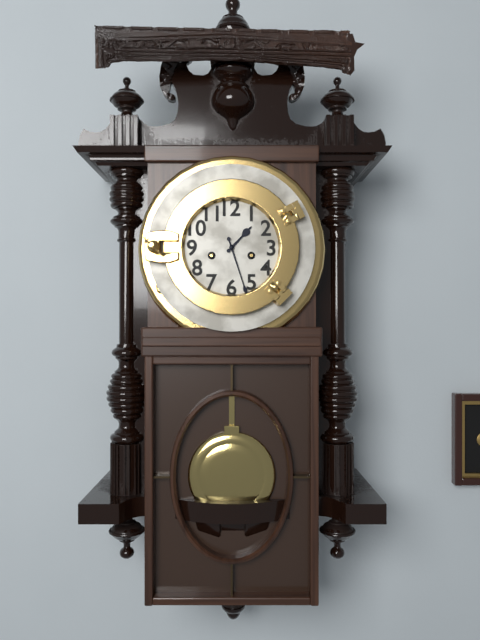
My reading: 1:27
